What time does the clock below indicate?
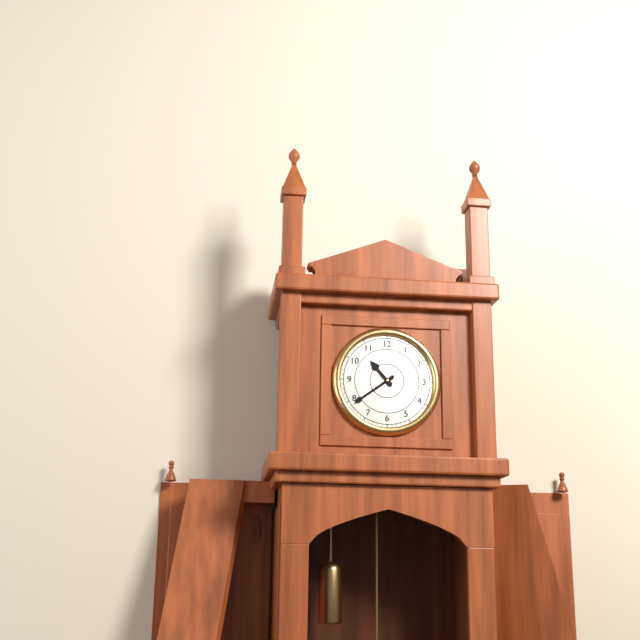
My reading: 10:39
